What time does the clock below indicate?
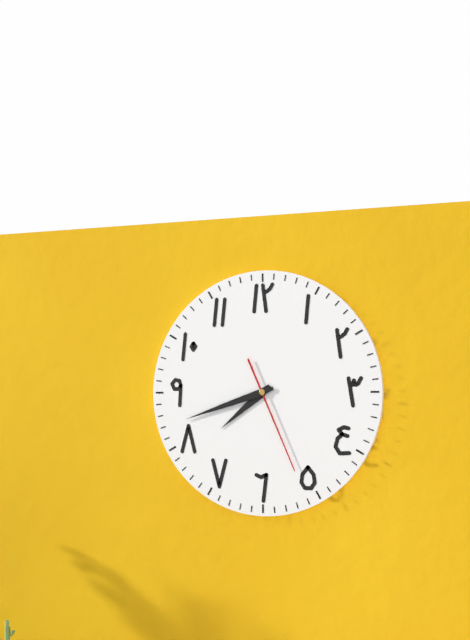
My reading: 7:42:26
